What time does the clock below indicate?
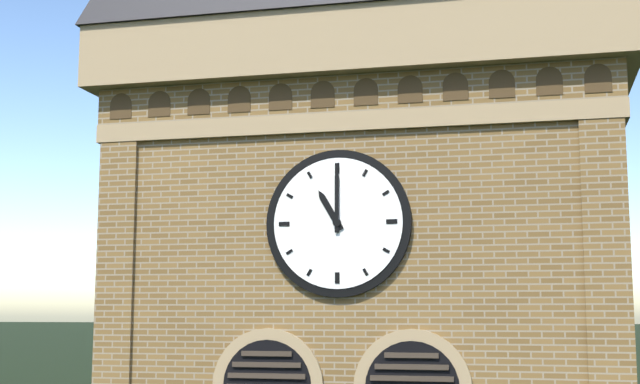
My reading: 11:00
